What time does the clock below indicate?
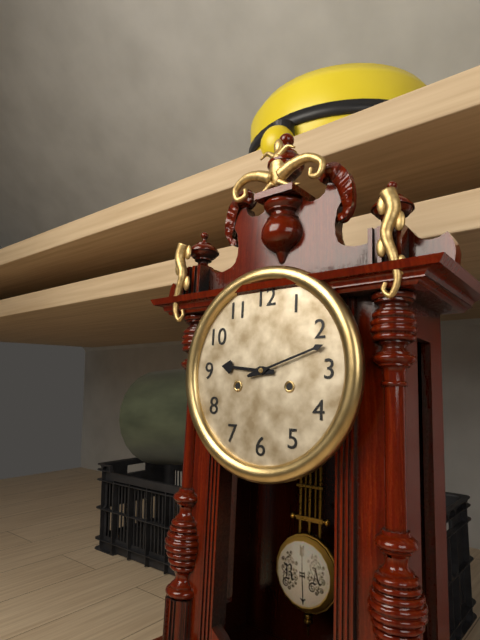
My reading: 9:12
